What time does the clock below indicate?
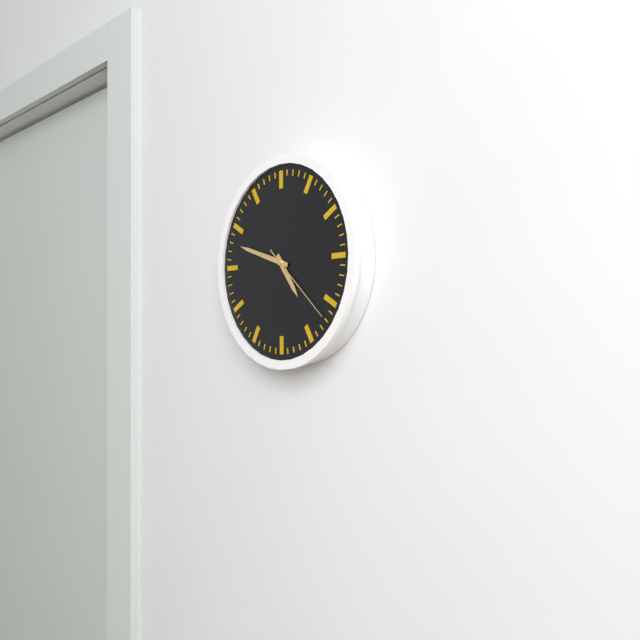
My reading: 4:48:22
